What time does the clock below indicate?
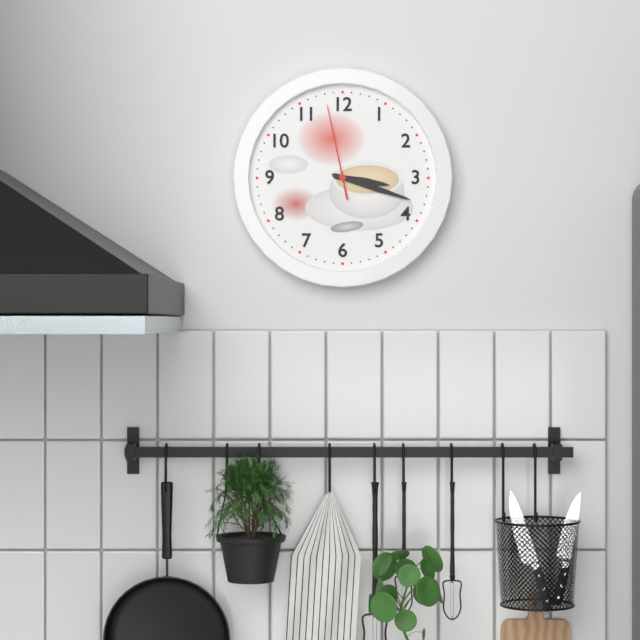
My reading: 3:18:58
